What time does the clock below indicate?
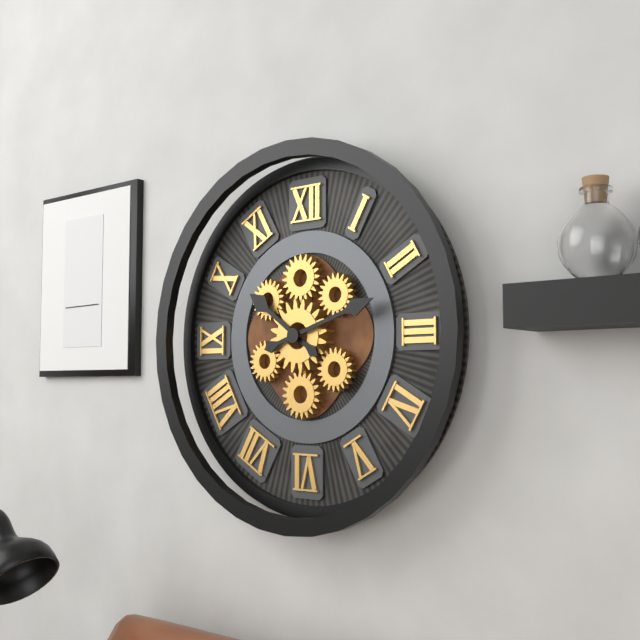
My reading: 10:12
